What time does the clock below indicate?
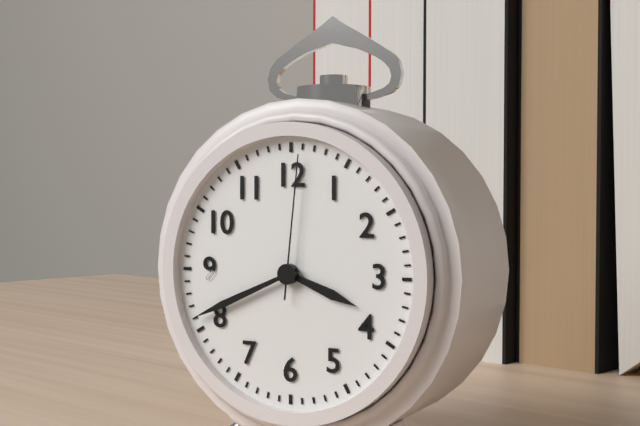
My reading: 3:41:01
